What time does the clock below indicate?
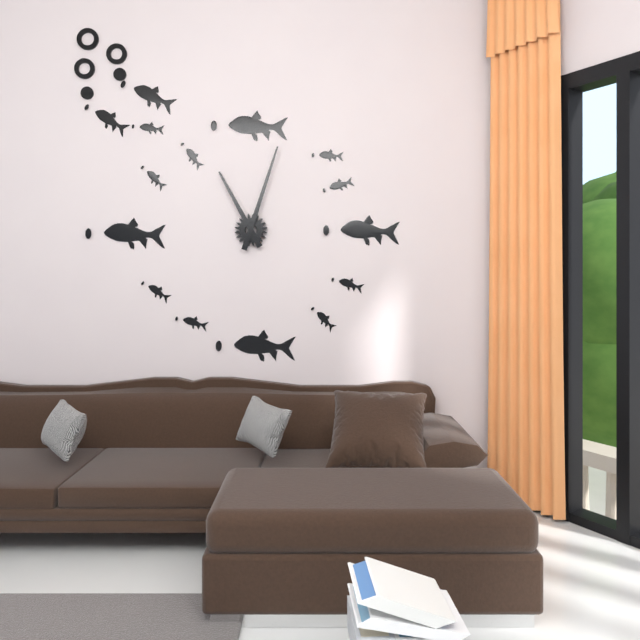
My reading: 11:03
